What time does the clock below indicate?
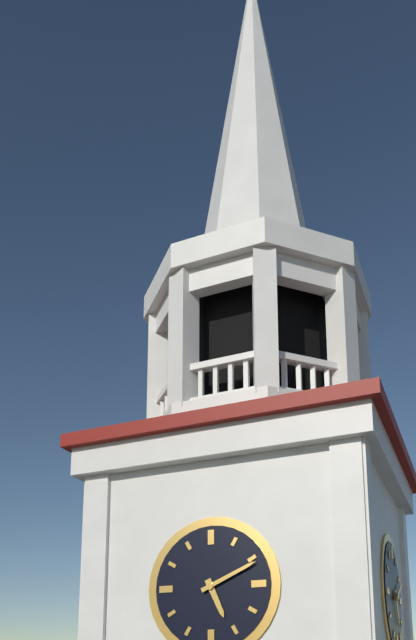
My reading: 5:11
